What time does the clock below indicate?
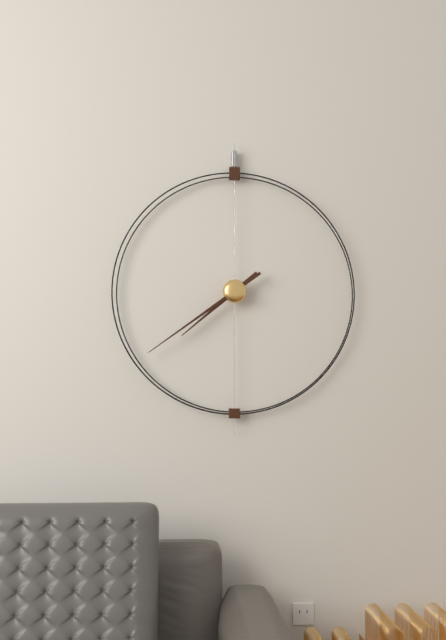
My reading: 7:39
